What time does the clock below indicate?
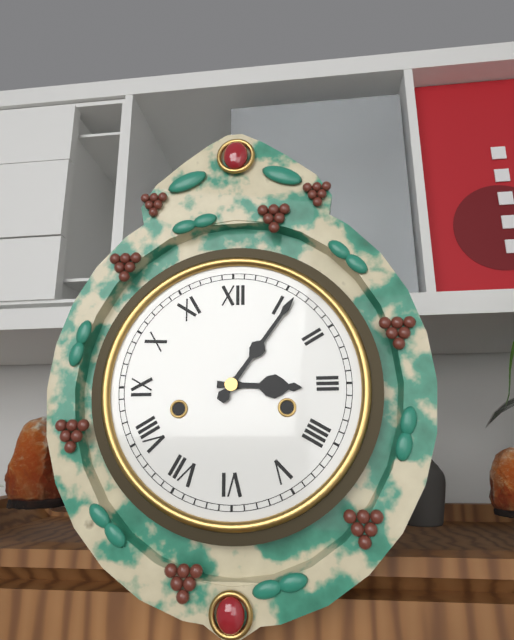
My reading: 3:06
